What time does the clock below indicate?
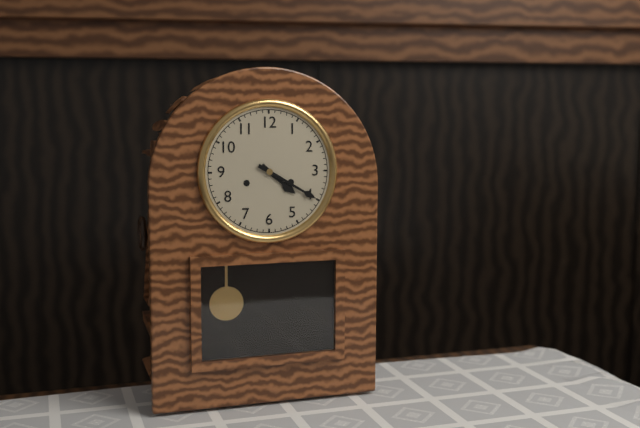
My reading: 4:20
